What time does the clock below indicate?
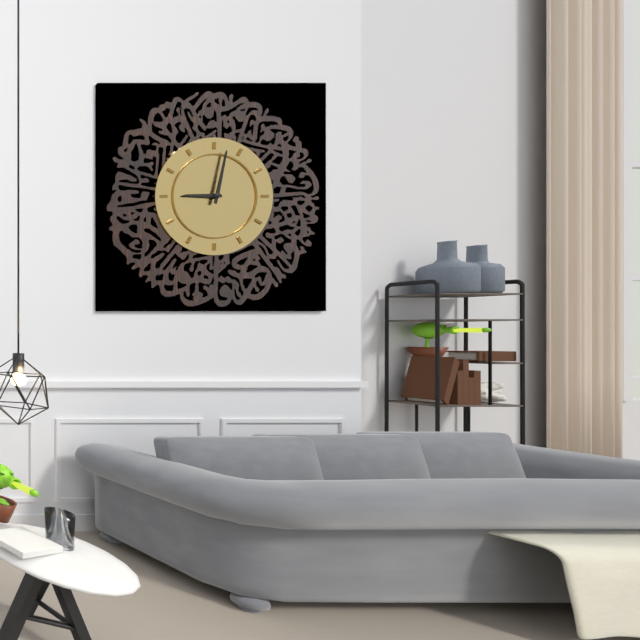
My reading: 9:02
